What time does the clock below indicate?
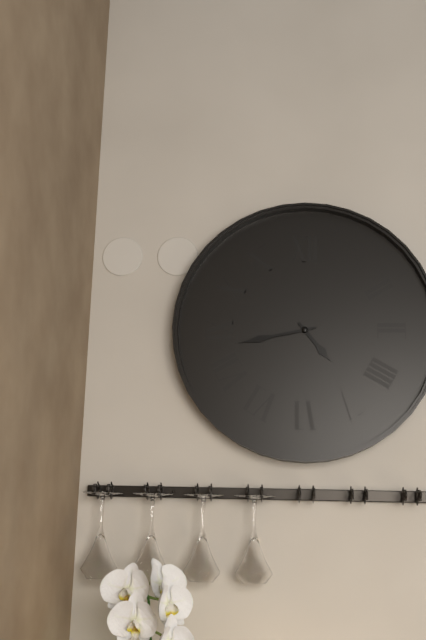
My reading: 4:43
